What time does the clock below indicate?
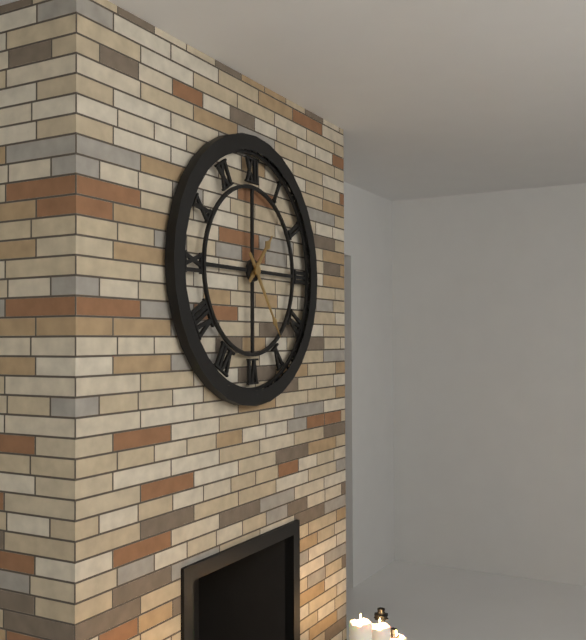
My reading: 1:24
